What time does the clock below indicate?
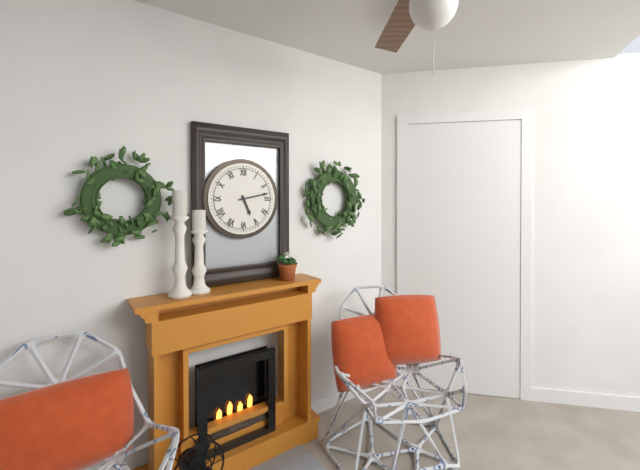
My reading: 5:13
